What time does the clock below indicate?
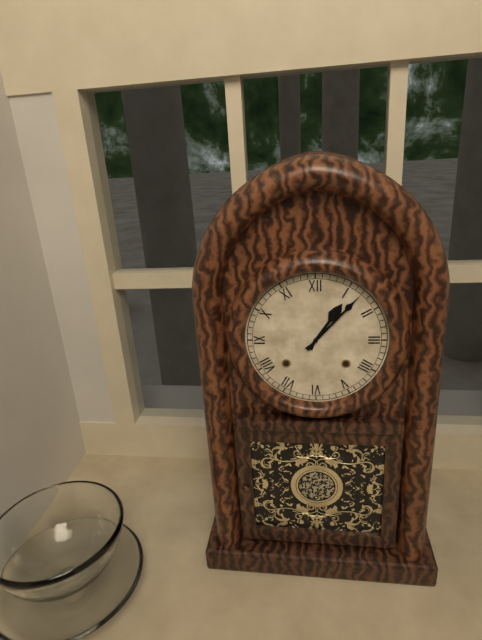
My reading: 1:07
